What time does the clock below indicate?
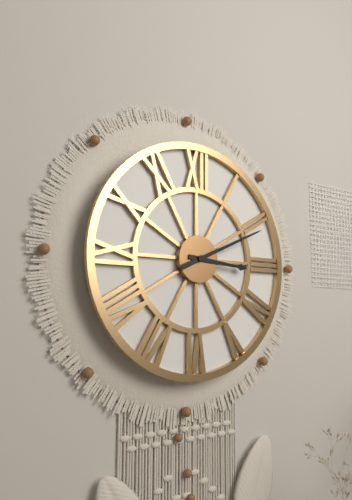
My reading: 3:11
